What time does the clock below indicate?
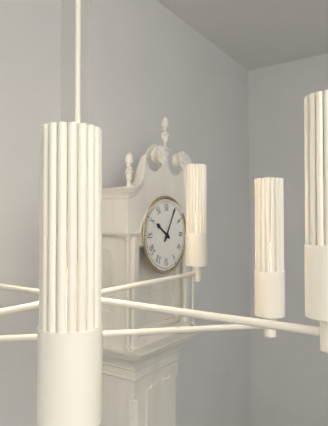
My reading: 10:05
